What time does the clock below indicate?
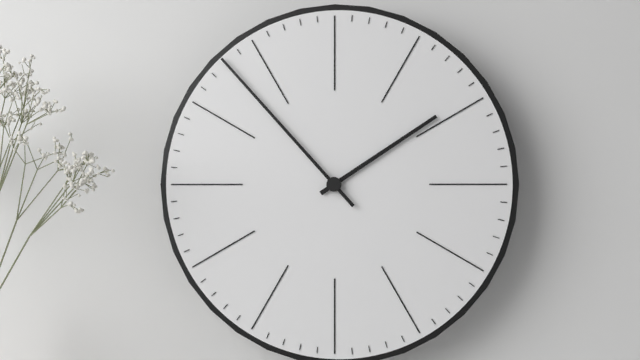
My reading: 1:53
